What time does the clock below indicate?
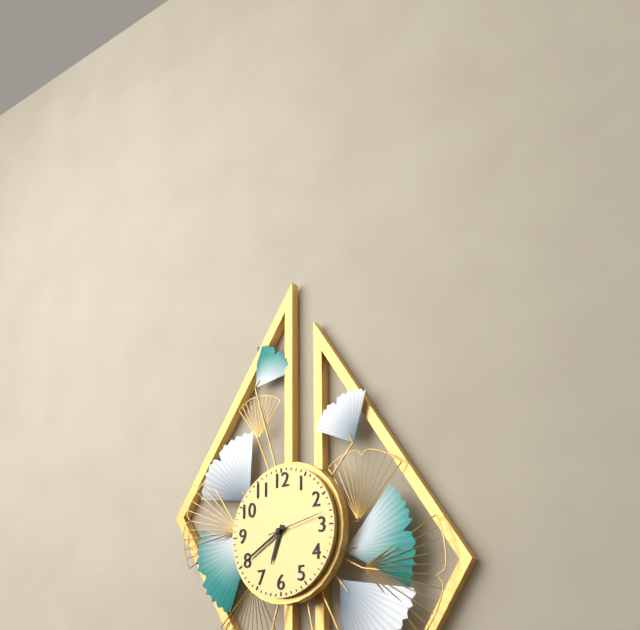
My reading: 6:40:13
